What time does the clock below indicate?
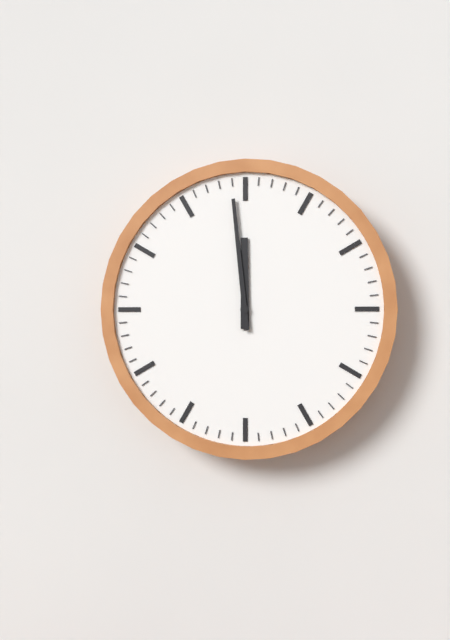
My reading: 11:59
